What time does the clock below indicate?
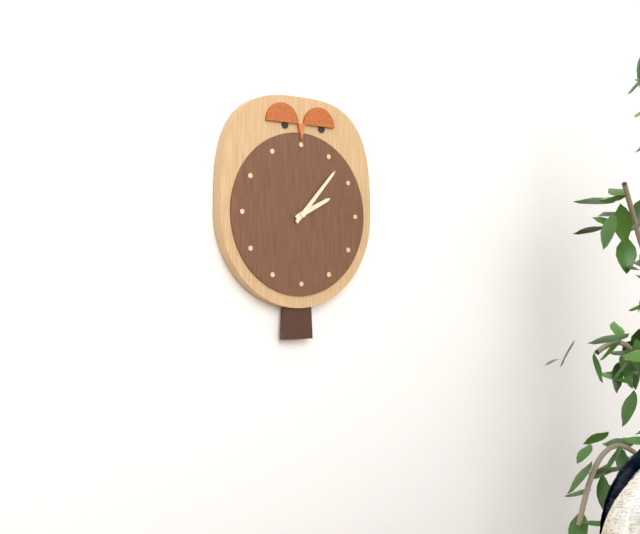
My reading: 2:07
